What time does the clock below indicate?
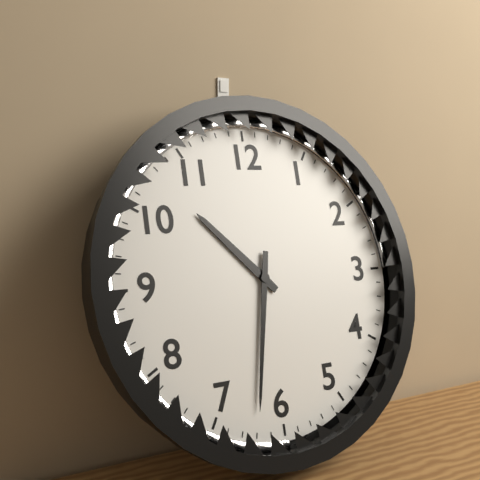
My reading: 10:32
